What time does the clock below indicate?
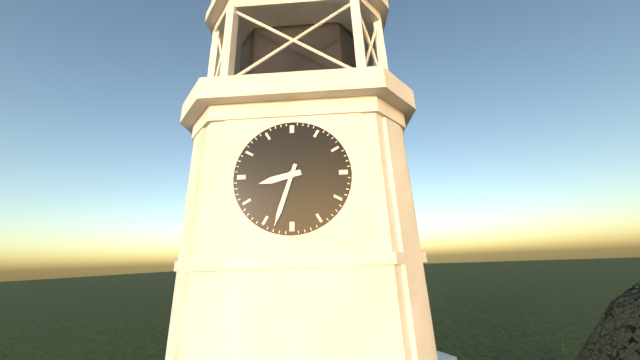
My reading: 8:33
